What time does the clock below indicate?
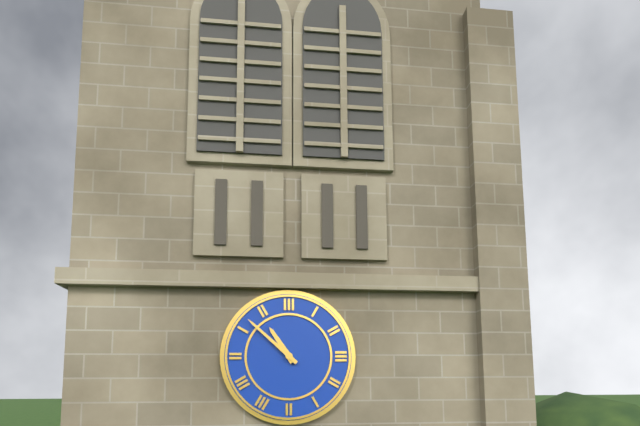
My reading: 10:52
